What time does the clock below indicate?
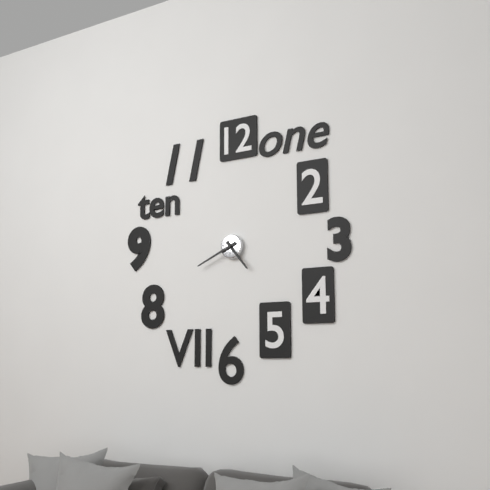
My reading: 4:41
